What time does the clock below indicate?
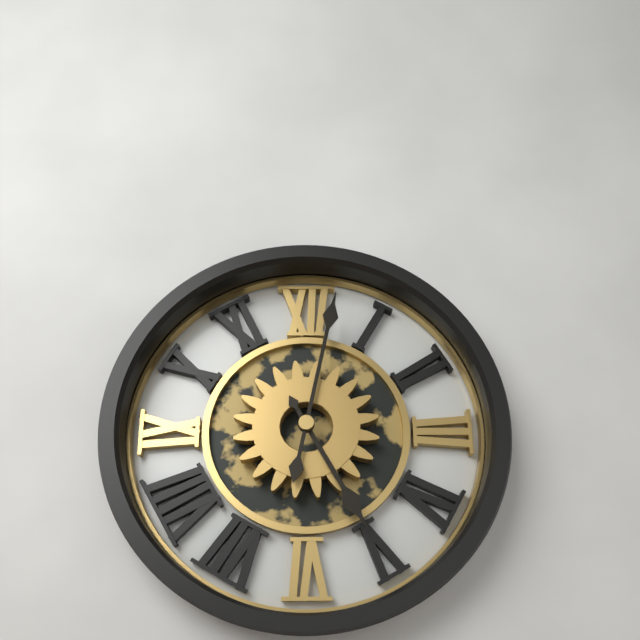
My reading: 5:02
